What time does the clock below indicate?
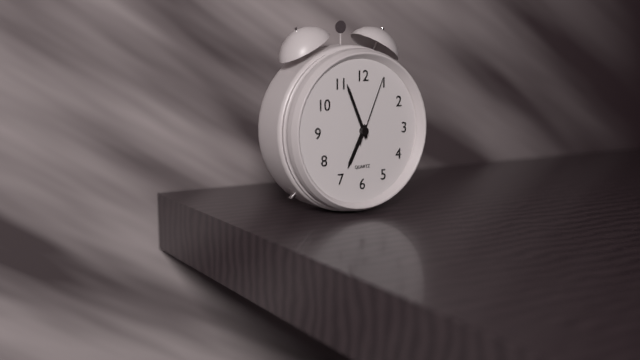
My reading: 6:56:04
